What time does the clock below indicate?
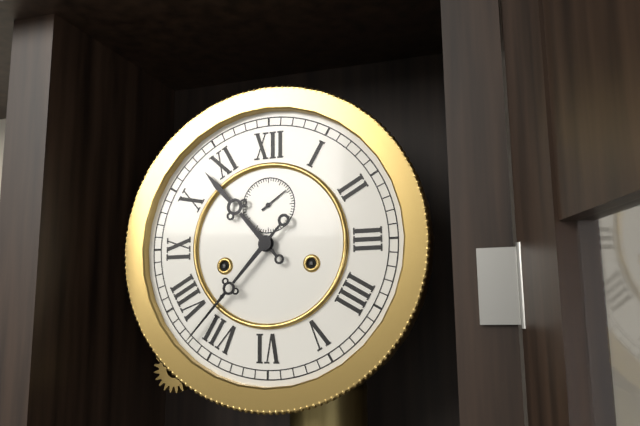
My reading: 10:37
